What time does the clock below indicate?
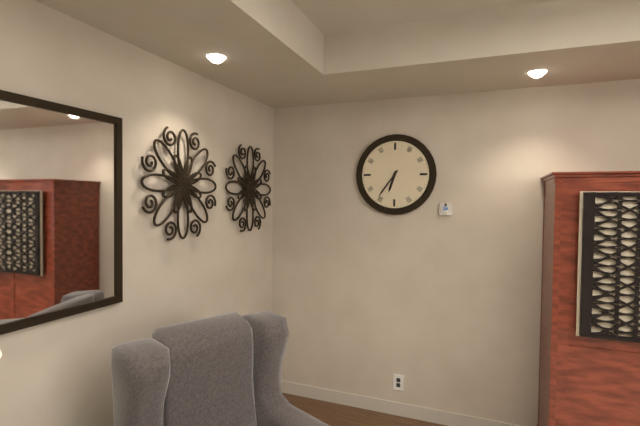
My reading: 6:36
